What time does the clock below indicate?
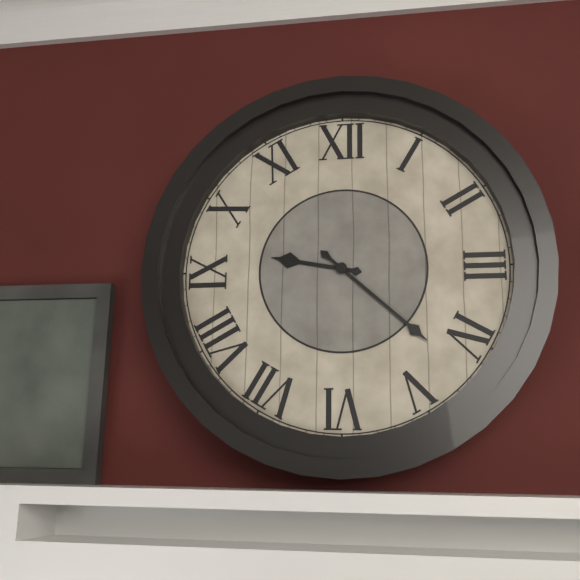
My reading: 9:22
